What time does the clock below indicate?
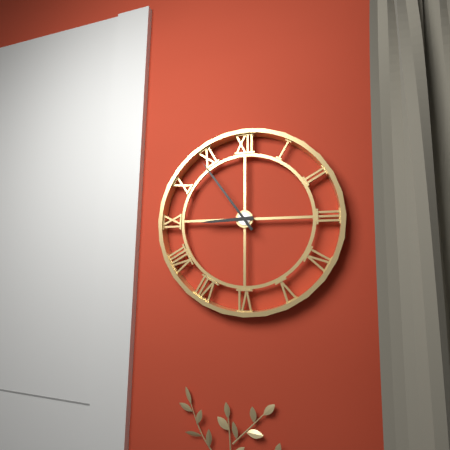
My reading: 8:54
